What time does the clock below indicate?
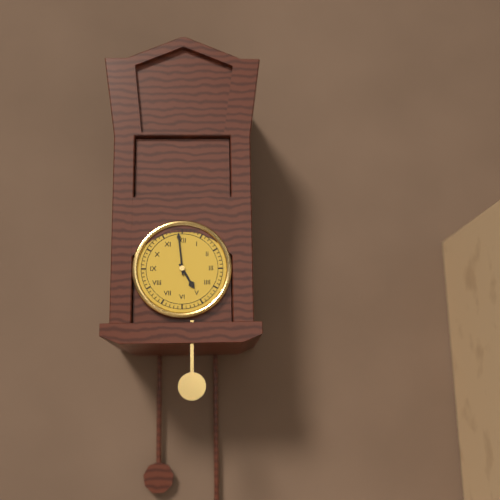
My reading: 4:59
